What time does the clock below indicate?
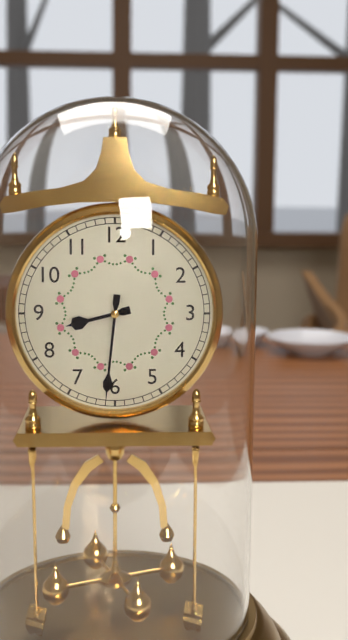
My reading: 8:31
